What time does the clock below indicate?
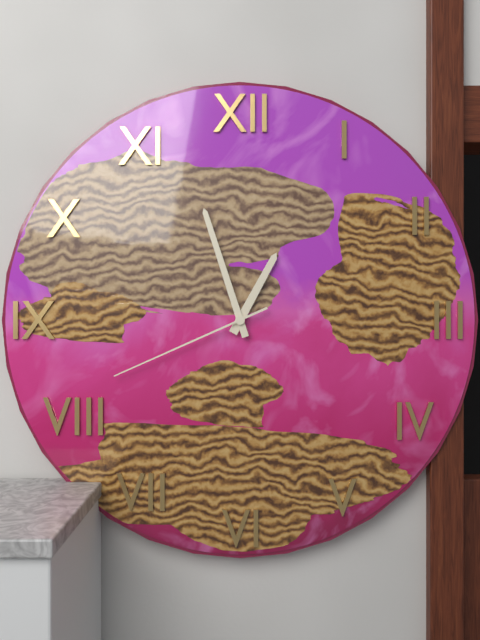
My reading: 12:57:41
